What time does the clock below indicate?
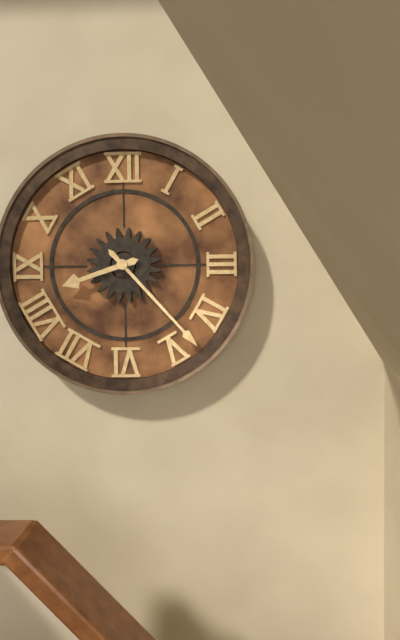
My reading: 8:23
